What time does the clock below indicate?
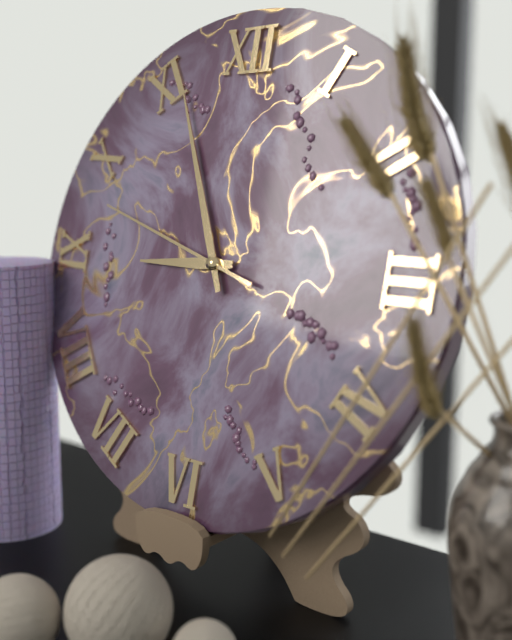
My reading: 8:56:48
